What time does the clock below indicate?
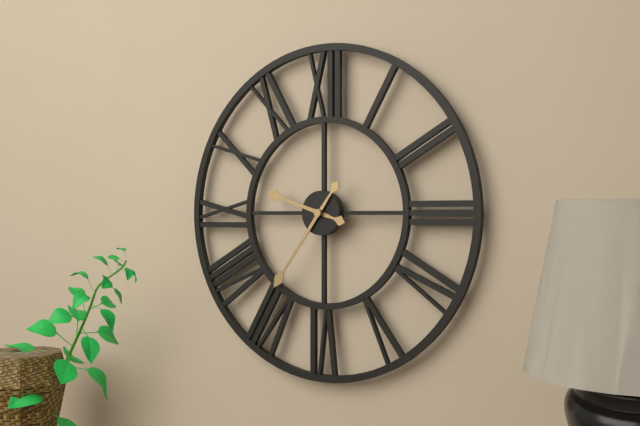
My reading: 9:36
